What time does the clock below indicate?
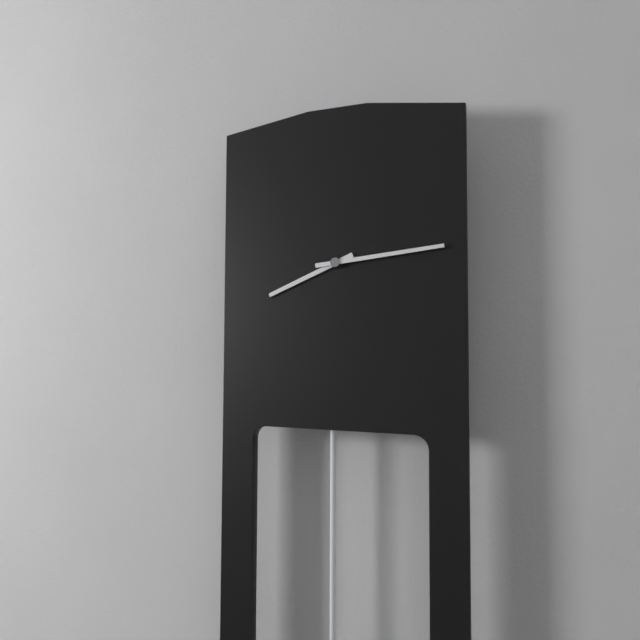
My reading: 8:14
